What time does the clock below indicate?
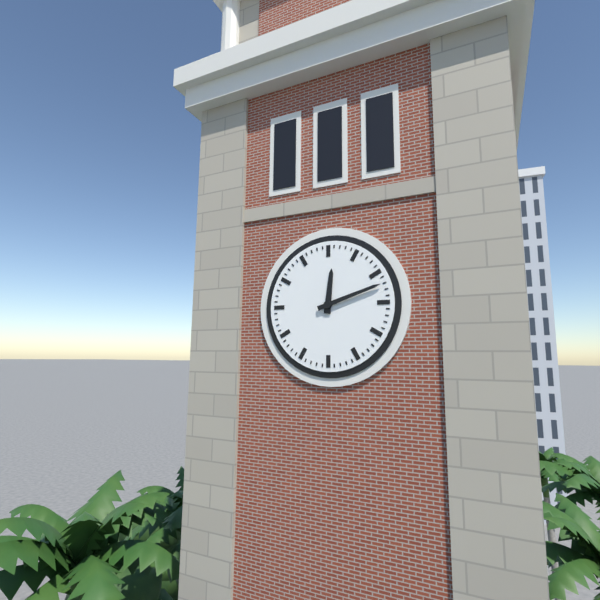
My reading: 12:12
